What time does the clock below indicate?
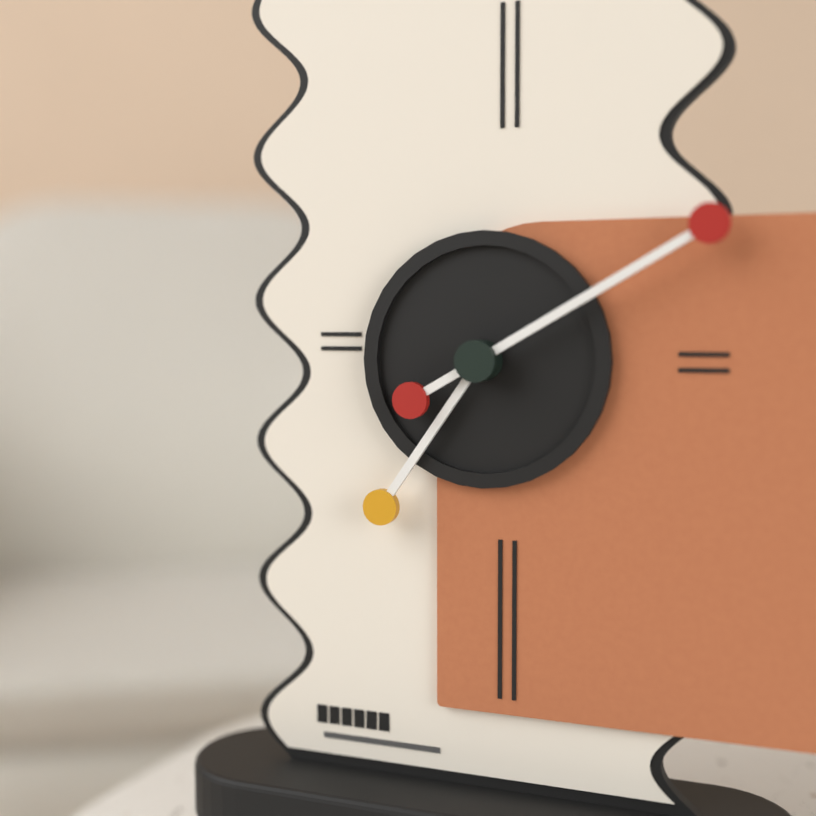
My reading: 7:10
